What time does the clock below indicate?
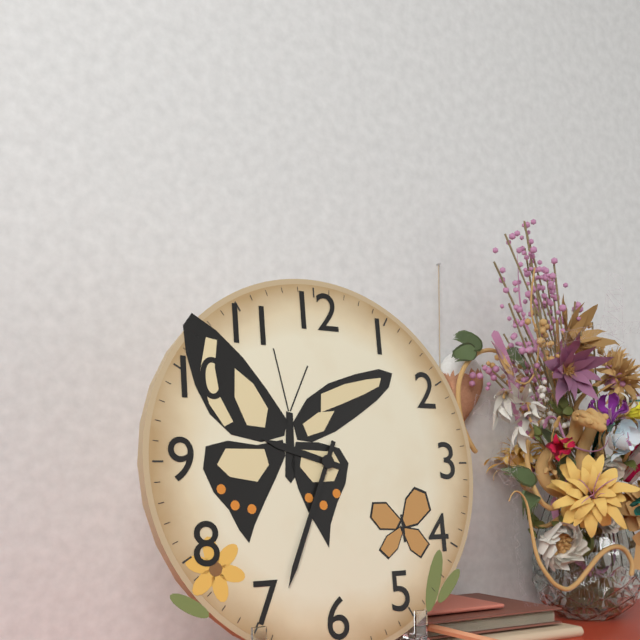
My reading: 9:34
